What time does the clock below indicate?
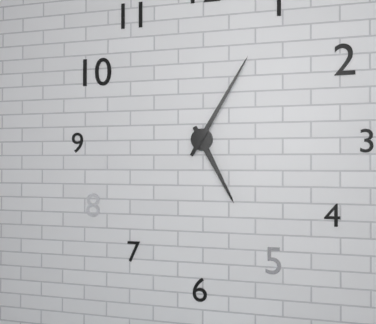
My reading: 5:05
